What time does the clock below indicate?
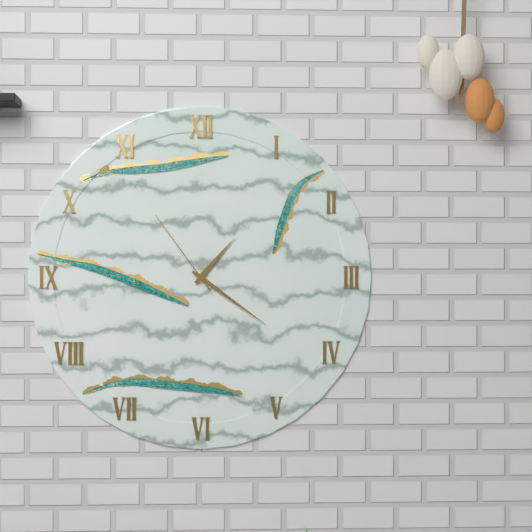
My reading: 1:21:54
